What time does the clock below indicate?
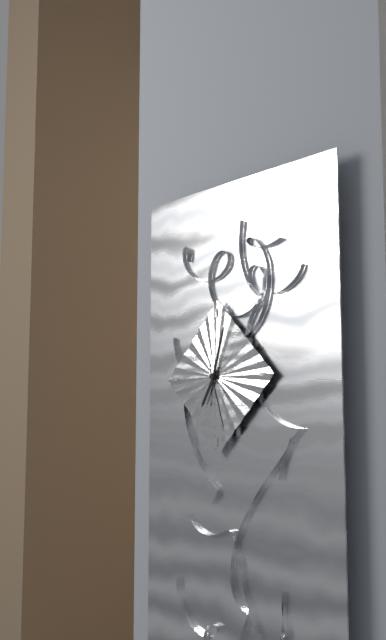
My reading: 7:03:27
